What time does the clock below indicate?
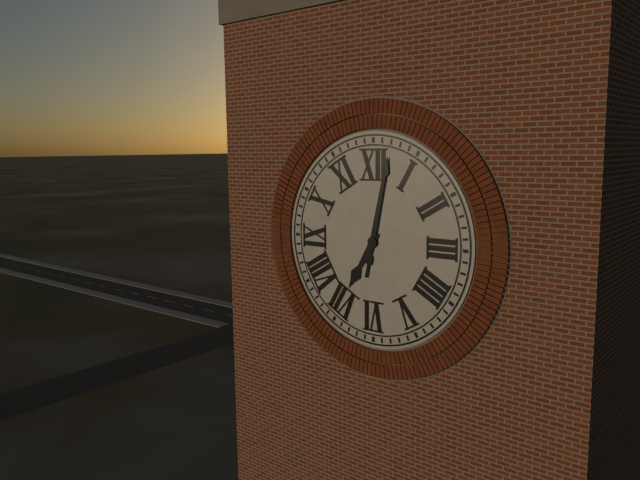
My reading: 7:02
